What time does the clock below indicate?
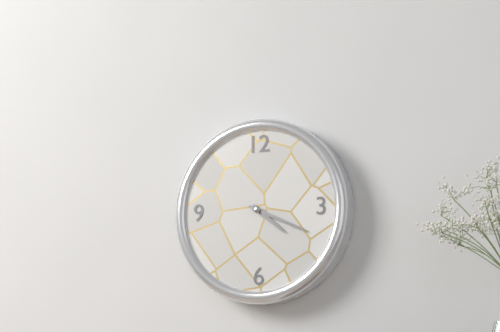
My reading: 4:19
